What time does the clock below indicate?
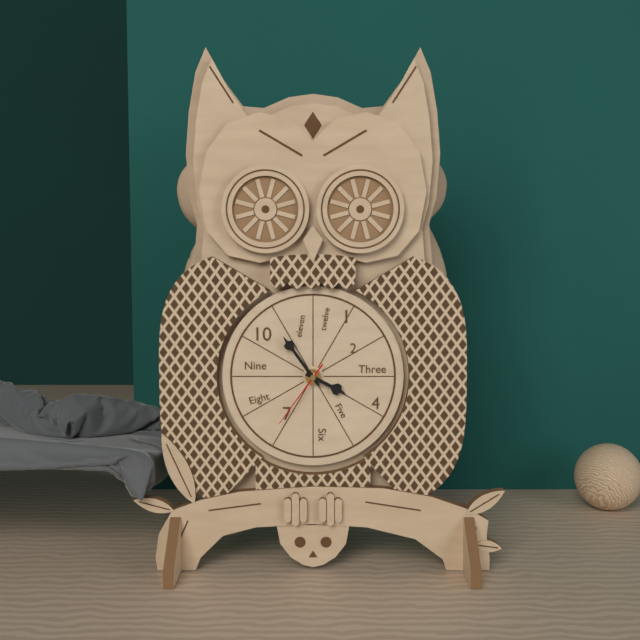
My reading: 3:54:36
